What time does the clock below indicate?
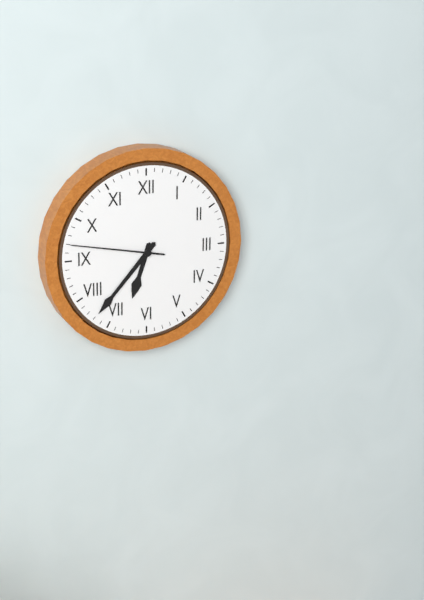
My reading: 6:37:47
